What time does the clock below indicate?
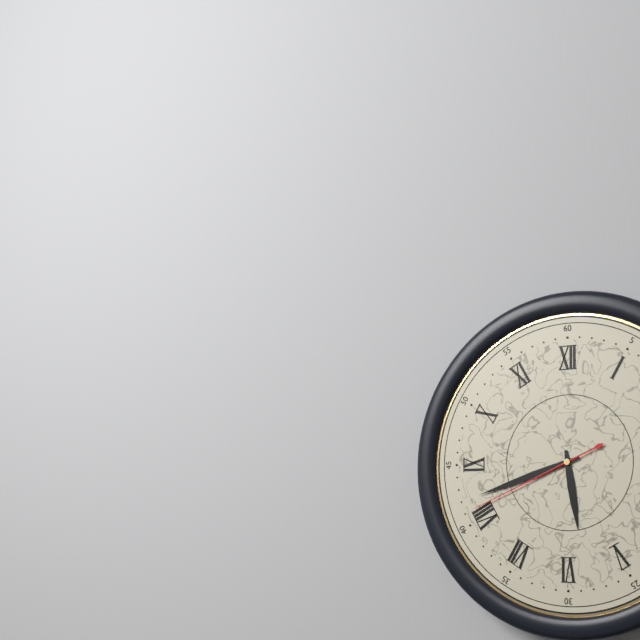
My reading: 5:42:41
